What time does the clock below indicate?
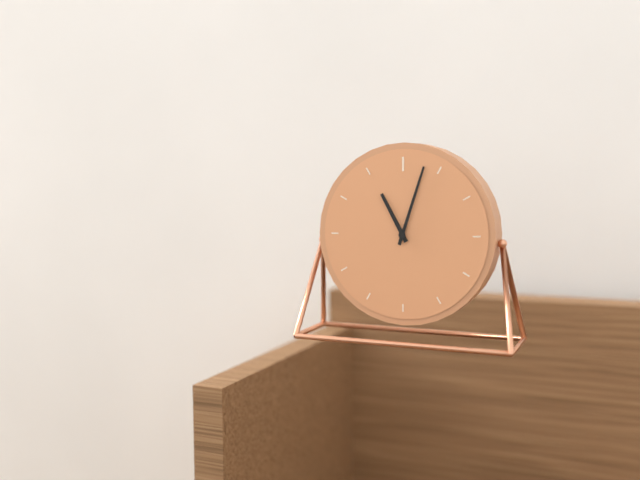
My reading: 11:03
